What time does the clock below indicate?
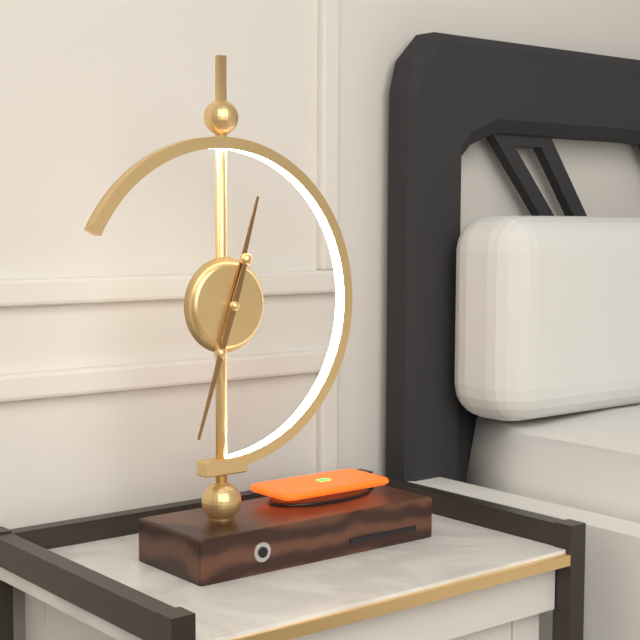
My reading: 12:33
